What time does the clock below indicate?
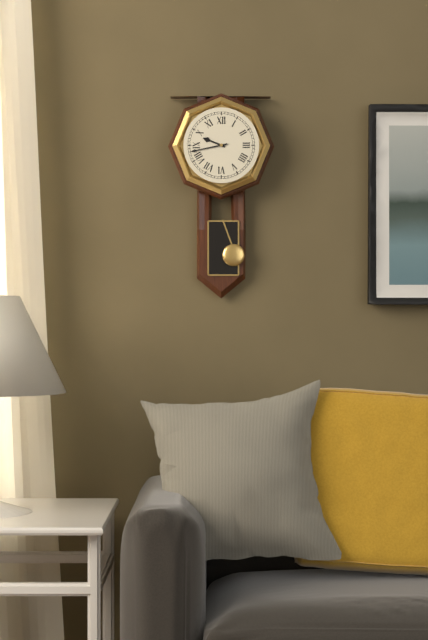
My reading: 9:43
